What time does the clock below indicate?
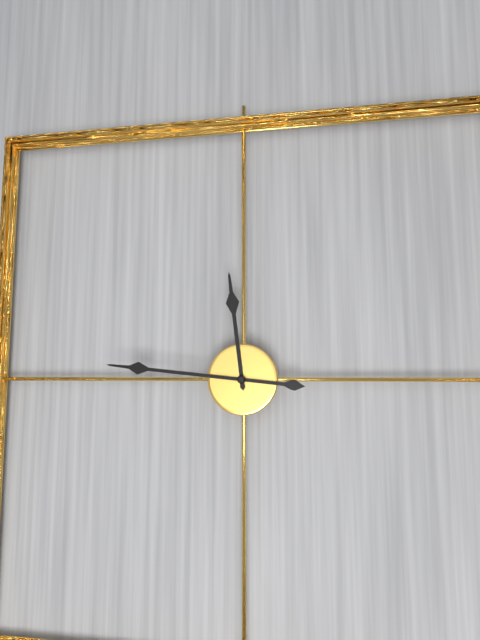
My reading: 11:46
